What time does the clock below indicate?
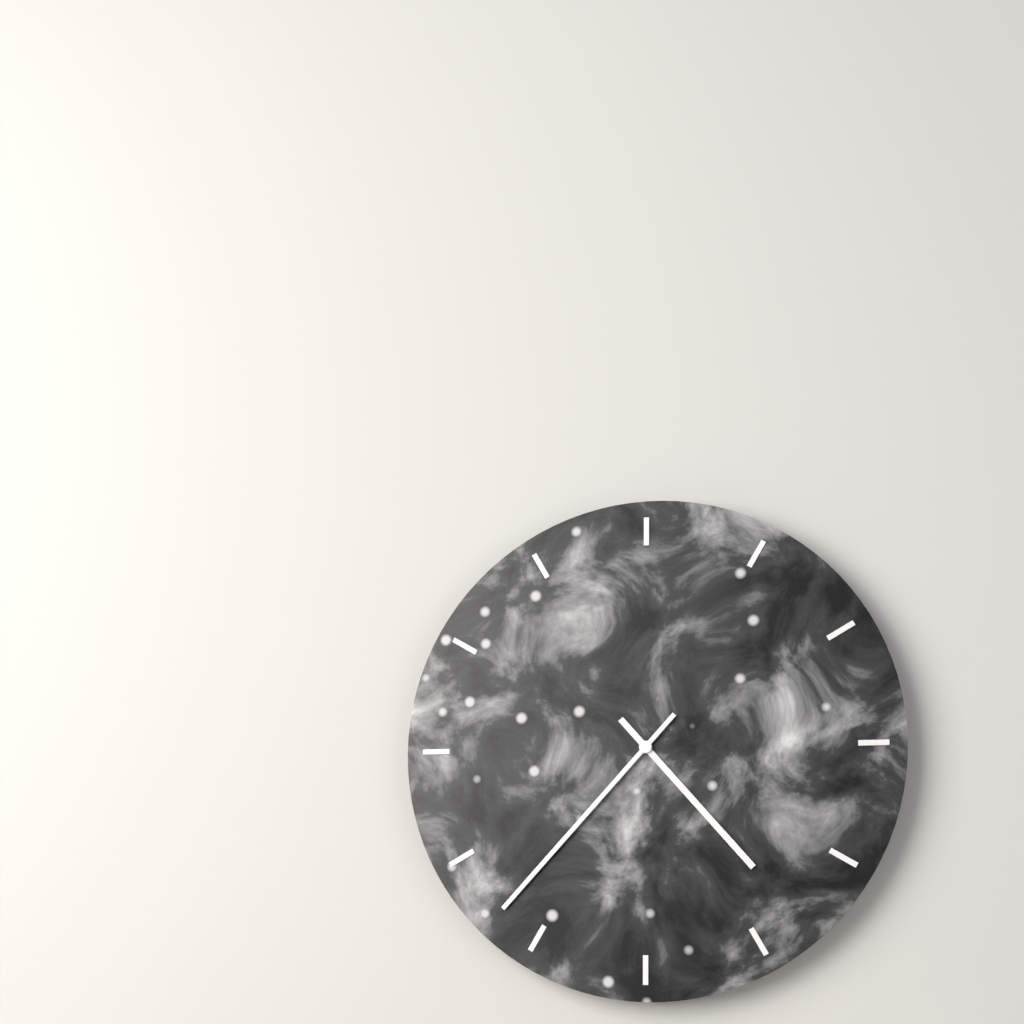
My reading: 4:37
